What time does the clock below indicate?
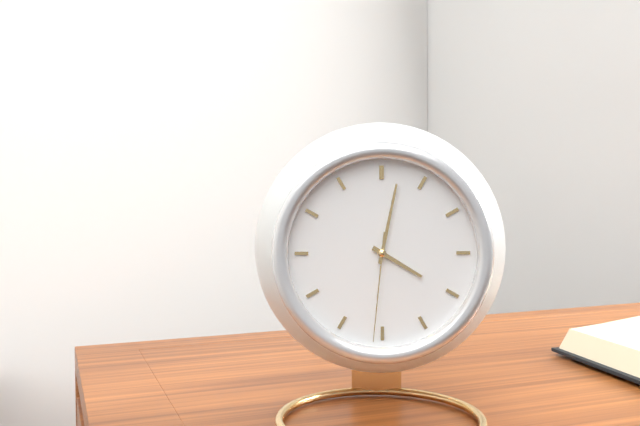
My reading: 4:02:31
